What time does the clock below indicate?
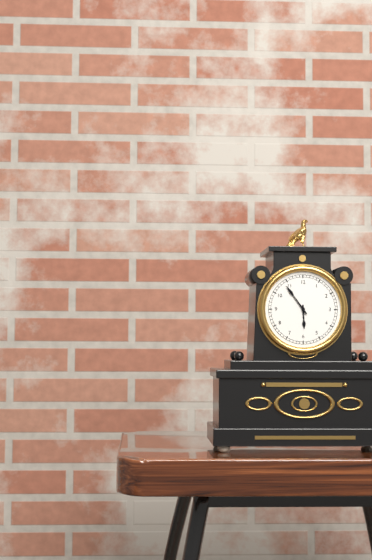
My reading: 5:54
